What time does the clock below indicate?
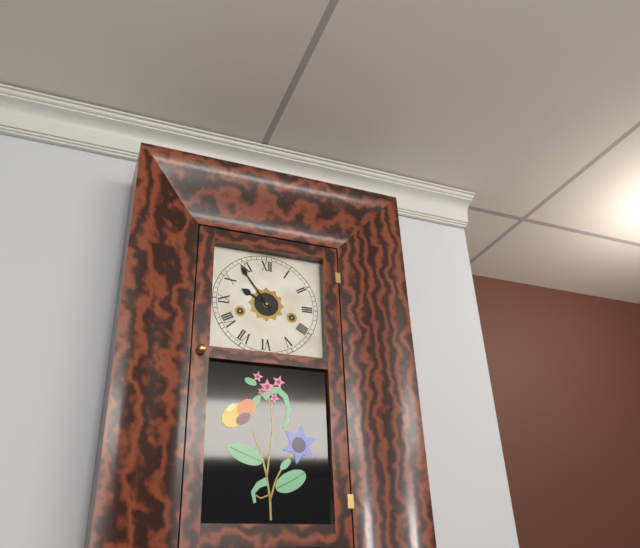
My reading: 9:54
